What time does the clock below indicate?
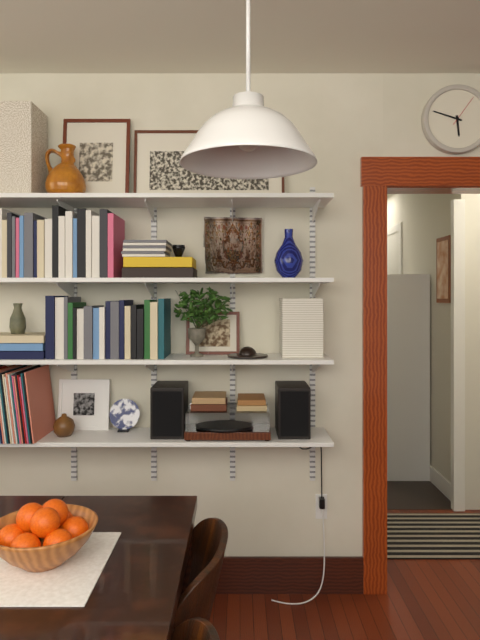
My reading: 5:48
